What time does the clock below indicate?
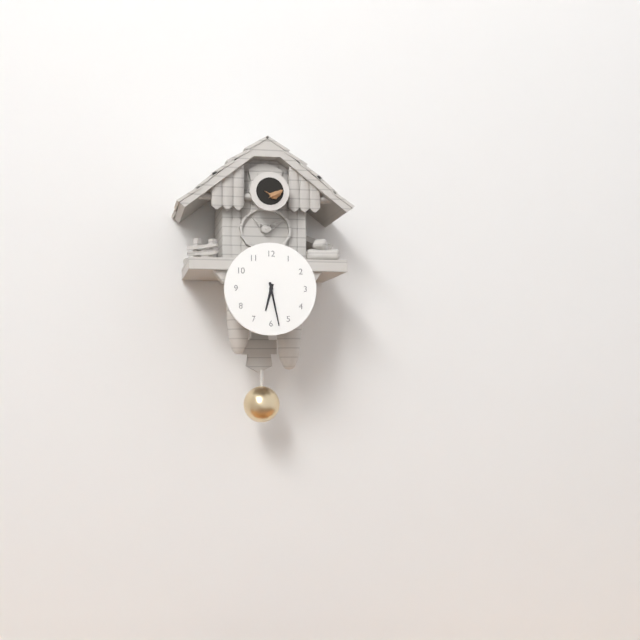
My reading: 6:28
